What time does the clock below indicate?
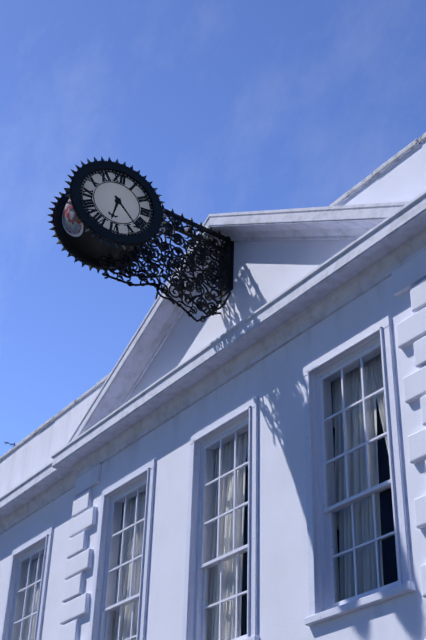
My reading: 6:23
